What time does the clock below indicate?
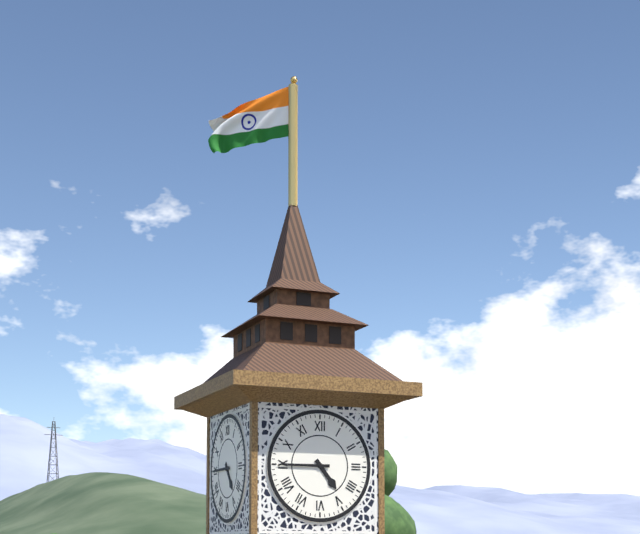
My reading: 4:45
